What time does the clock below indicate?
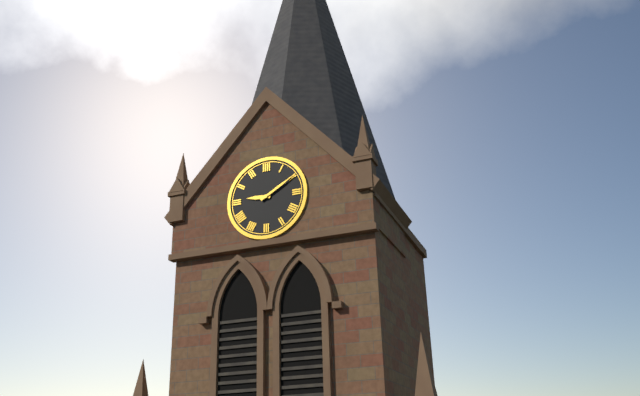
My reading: 9:10
